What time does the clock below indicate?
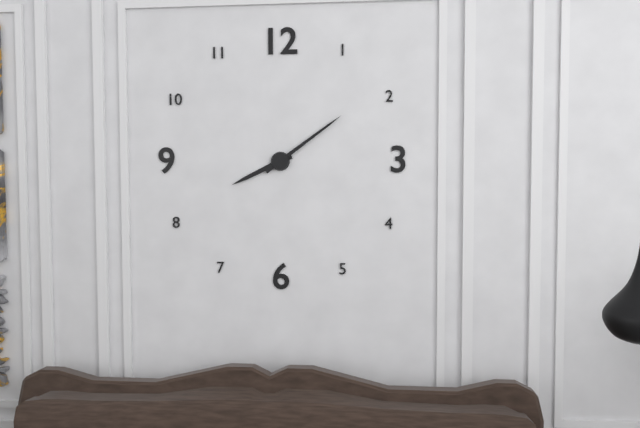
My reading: 8:09
